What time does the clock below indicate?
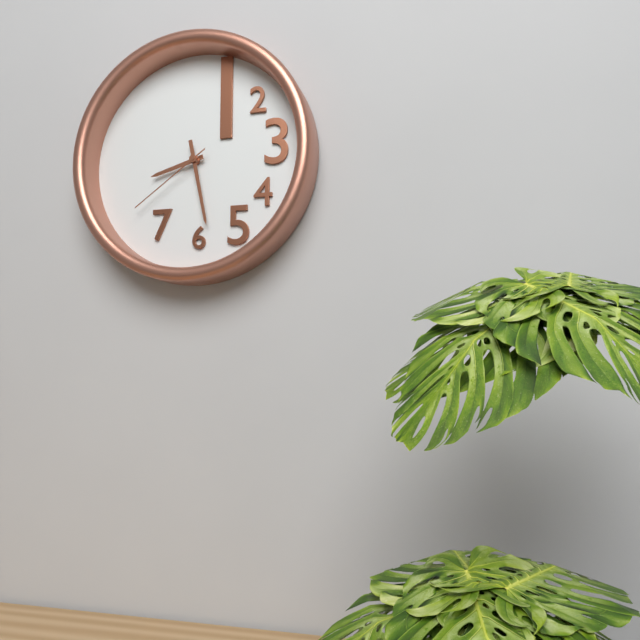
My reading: 8:28:39
